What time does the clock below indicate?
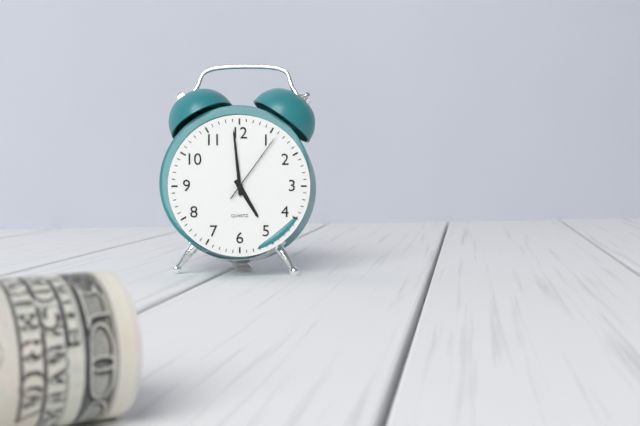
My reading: 4:59:06
